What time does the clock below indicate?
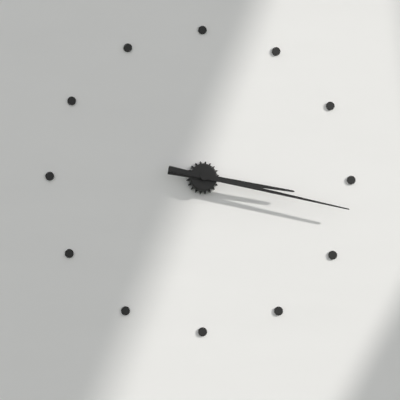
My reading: 3:17
